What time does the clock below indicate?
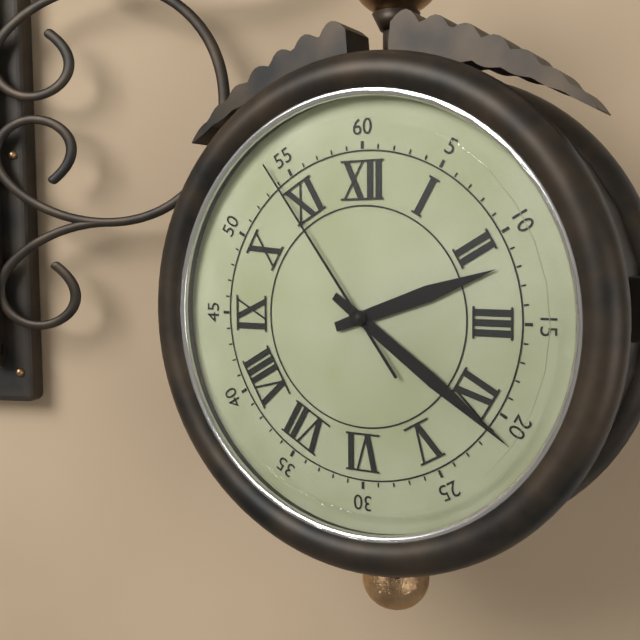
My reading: 2:21:54
